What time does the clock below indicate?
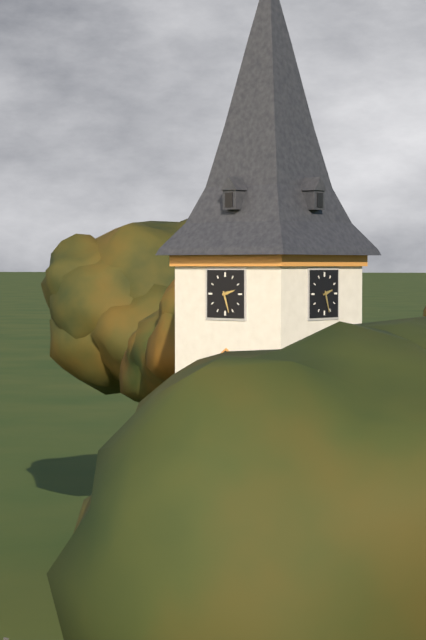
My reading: 2:27
